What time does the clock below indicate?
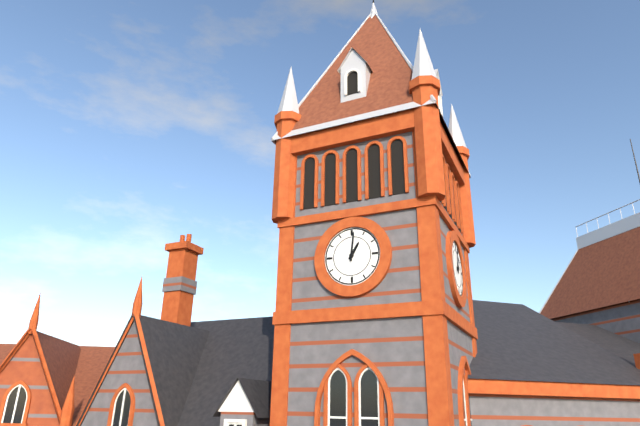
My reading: 1:01
